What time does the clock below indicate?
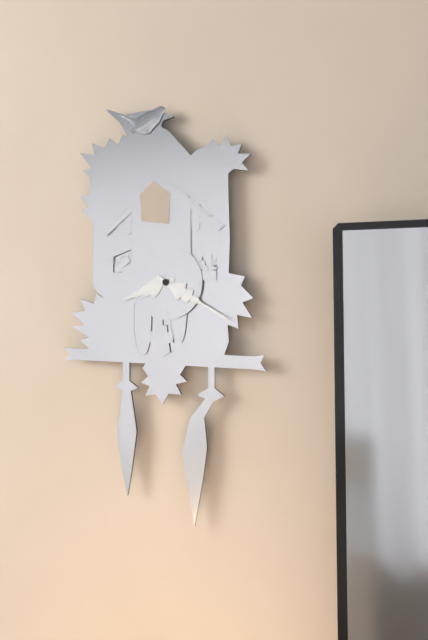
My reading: 8:20
